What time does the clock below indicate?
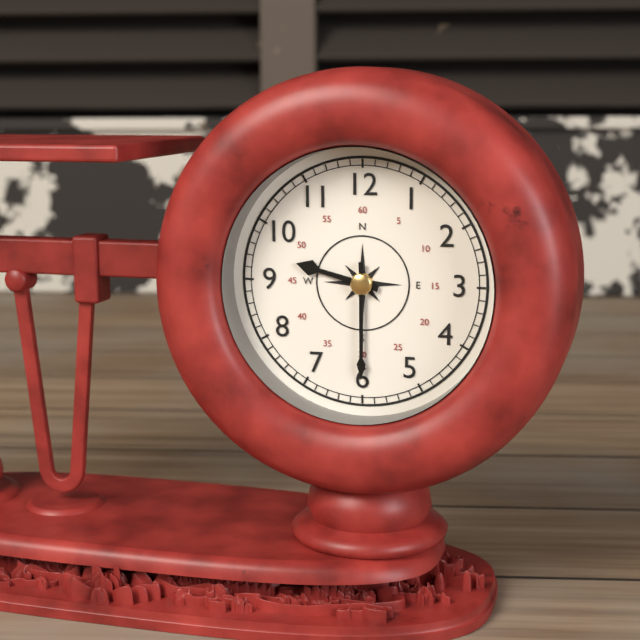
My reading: 9:30
